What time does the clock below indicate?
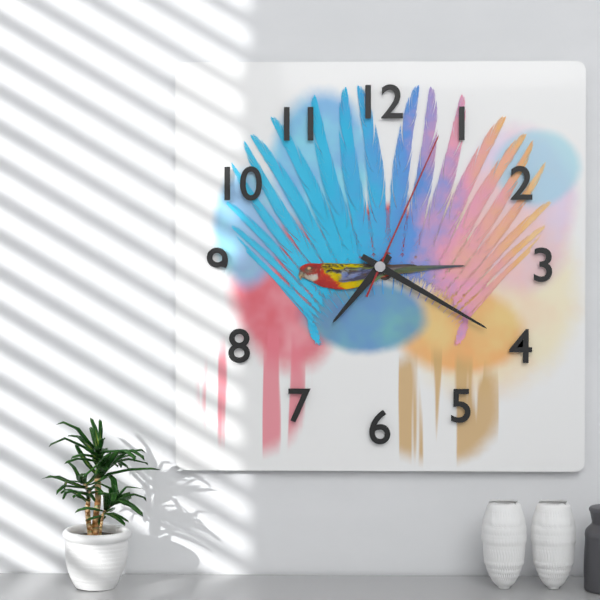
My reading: 7:20:04
